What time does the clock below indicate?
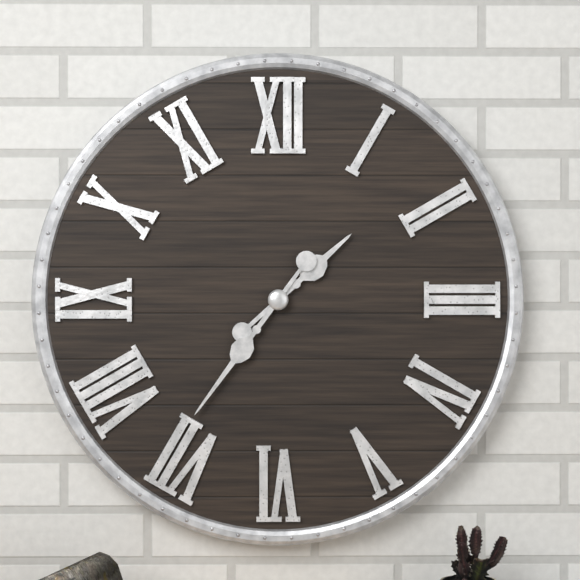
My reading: 1:36
